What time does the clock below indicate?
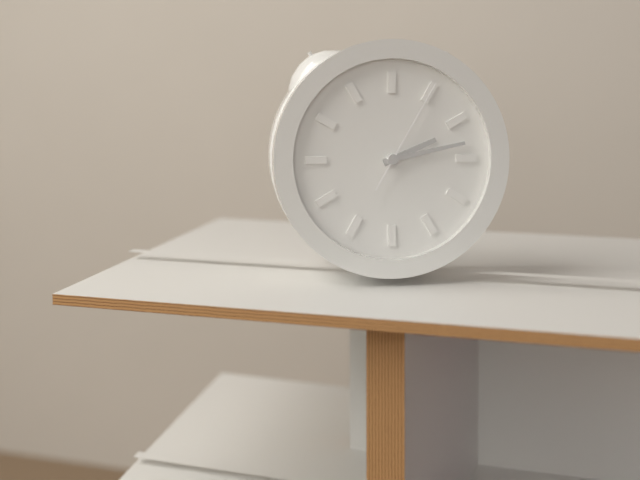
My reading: 2:13:05
